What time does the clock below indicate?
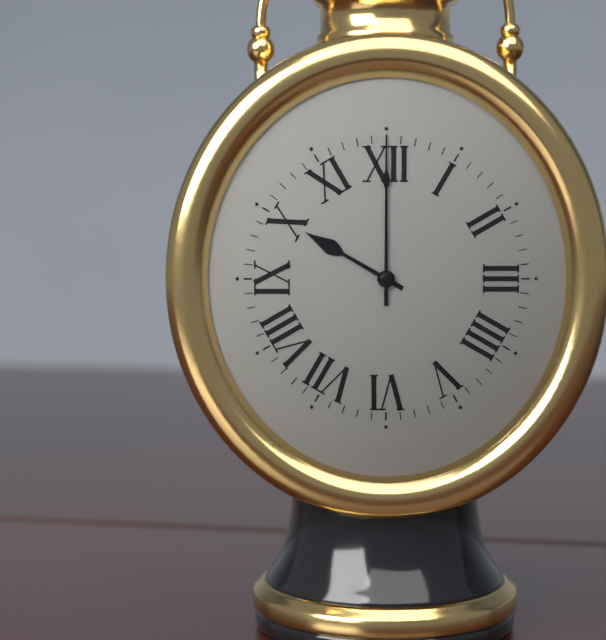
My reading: 10:00
